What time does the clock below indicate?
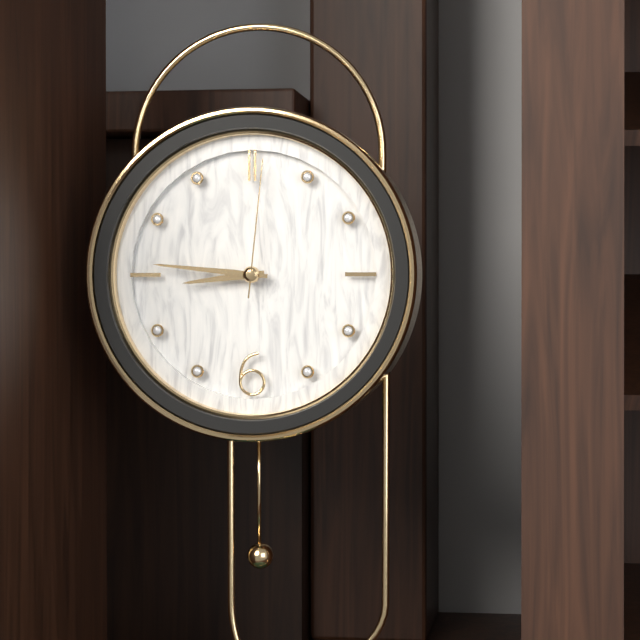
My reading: 8:46:01
